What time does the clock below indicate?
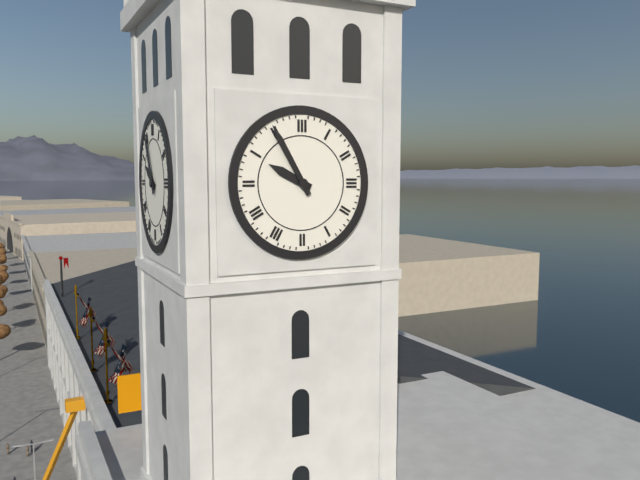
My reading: 9:55
